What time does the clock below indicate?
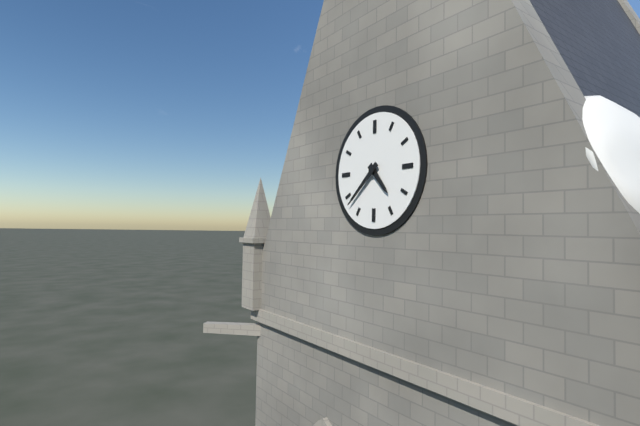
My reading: 4:38
